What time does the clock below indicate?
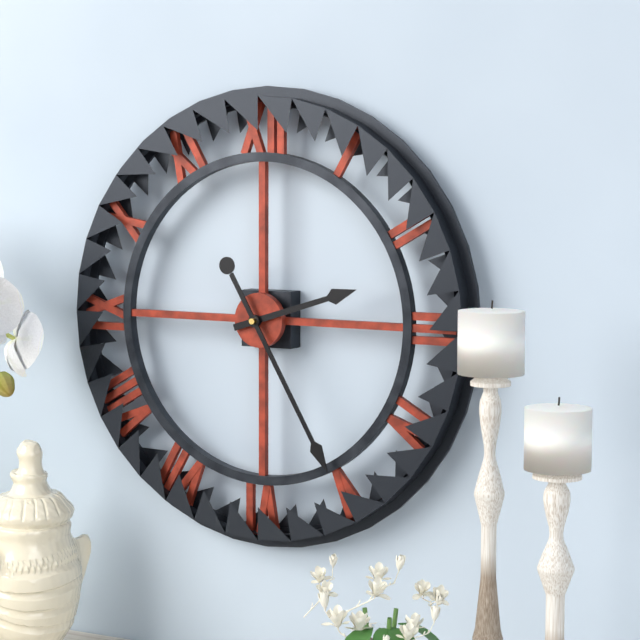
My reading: 2:25
